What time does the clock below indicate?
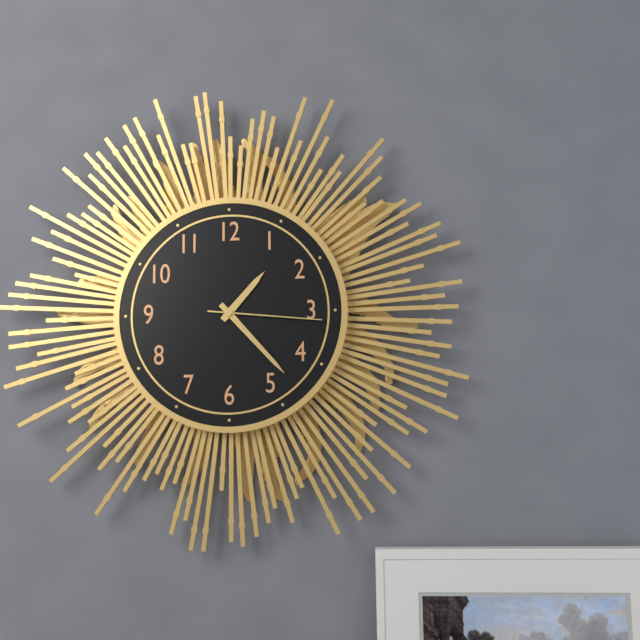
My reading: 1:23:16
